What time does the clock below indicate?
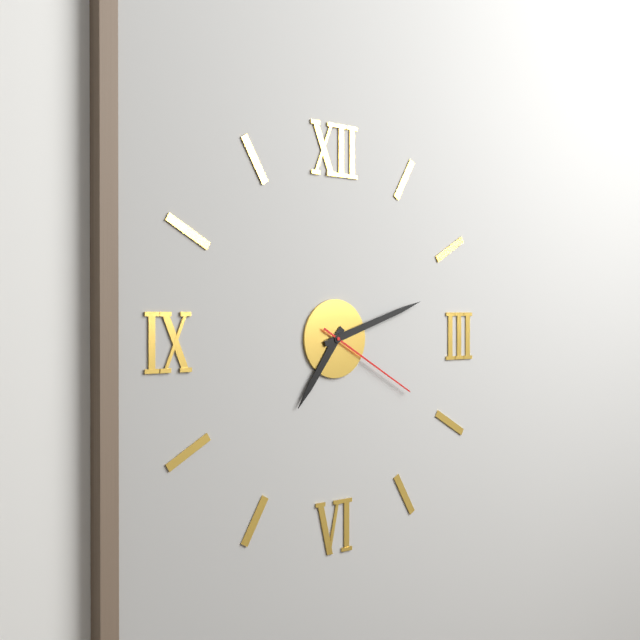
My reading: 7:12:20
